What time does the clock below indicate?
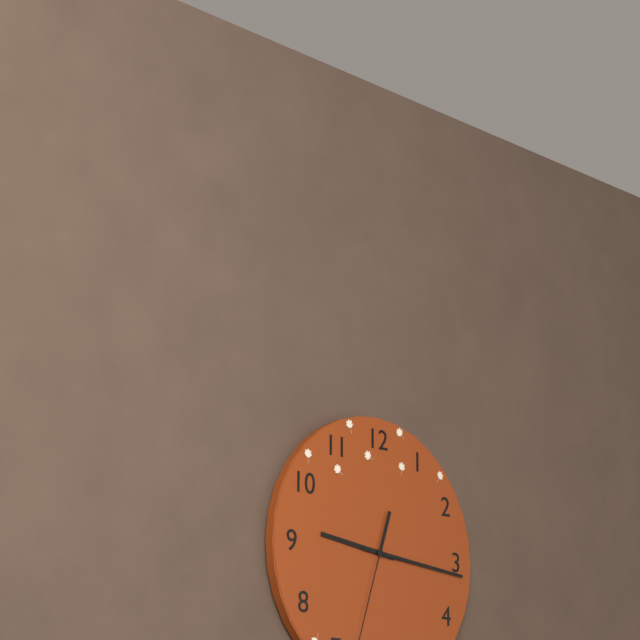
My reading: 9:16
